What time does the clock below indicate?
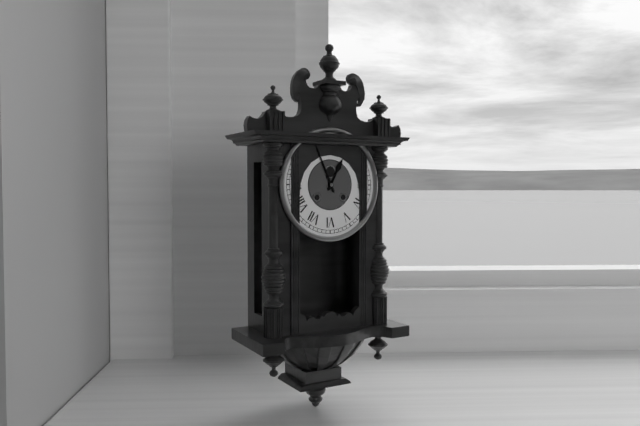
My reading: 12:56
